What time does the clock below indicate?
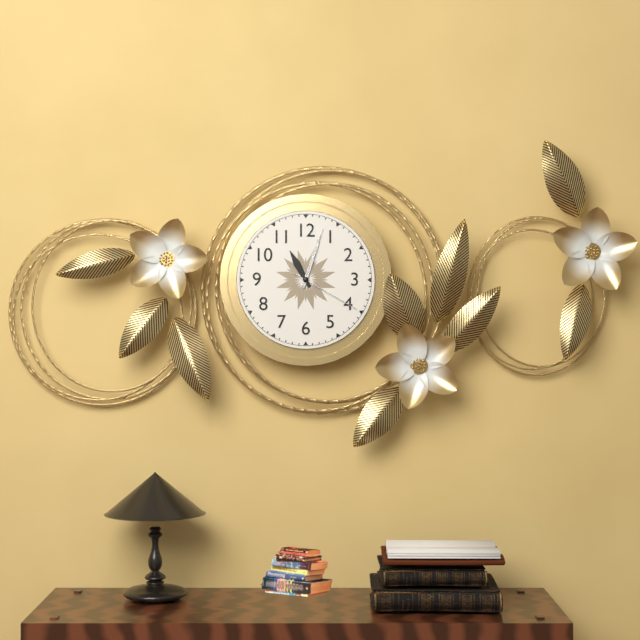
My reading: 11:03:20
